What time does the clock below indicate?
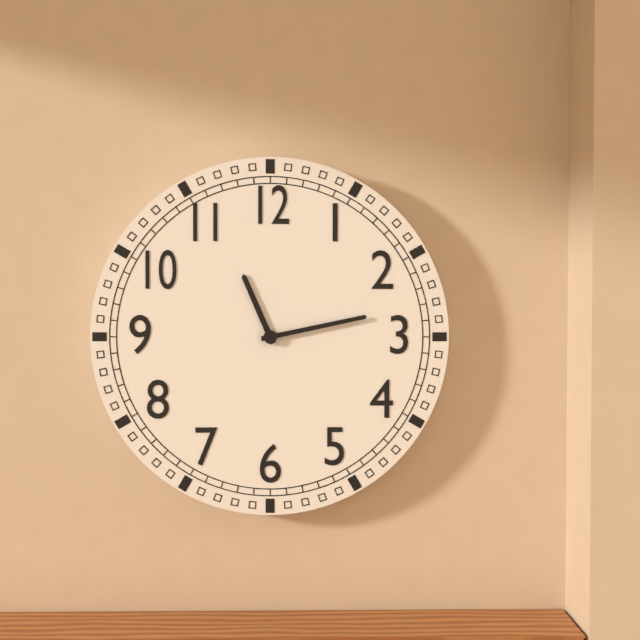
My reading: 11:13
